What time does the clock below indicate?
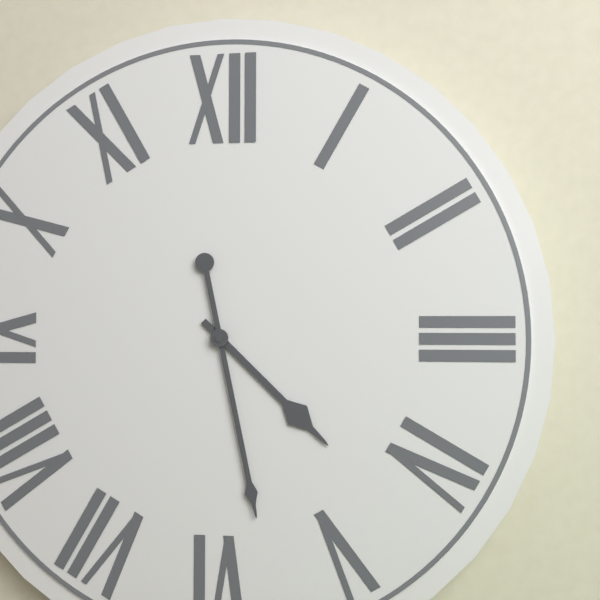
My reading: 4:28
